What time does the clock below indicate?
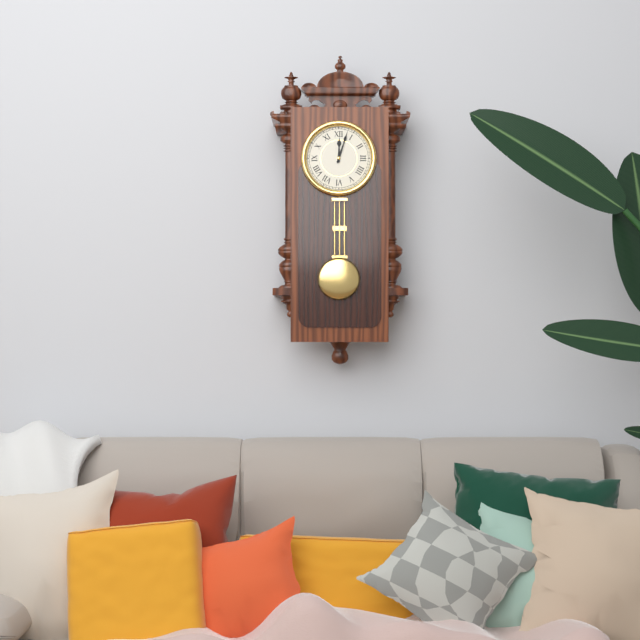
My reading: 12:03
